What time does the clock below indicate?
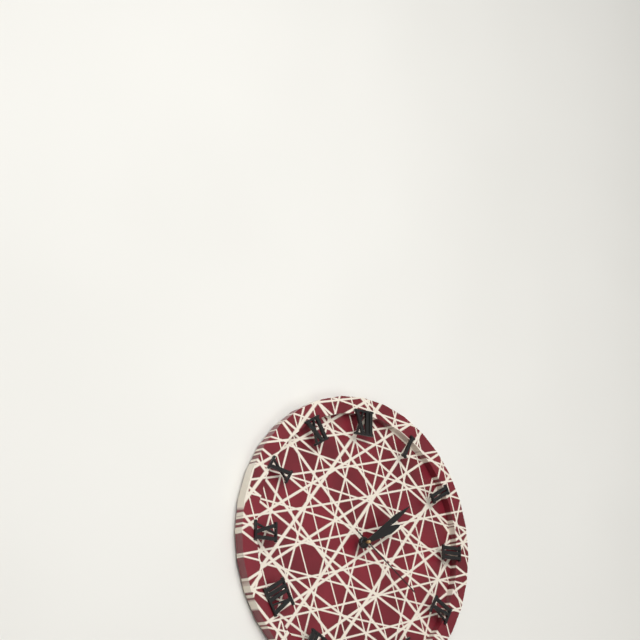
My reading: 2:09:21
